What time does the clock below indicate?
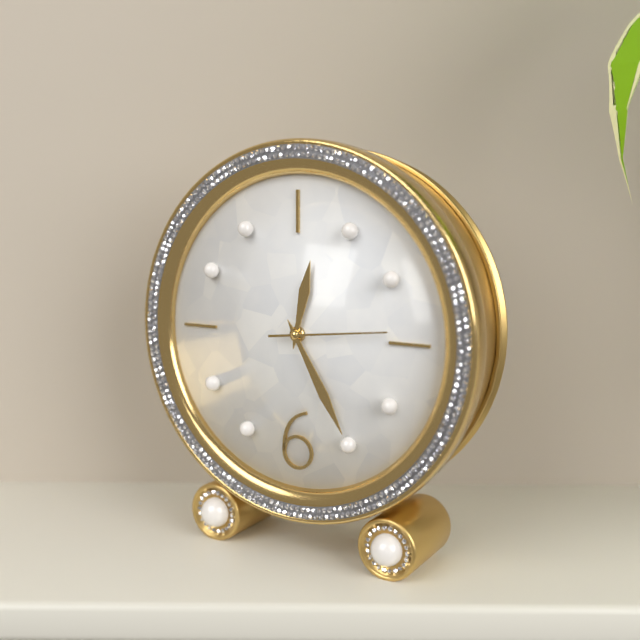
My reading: 12:25:14
